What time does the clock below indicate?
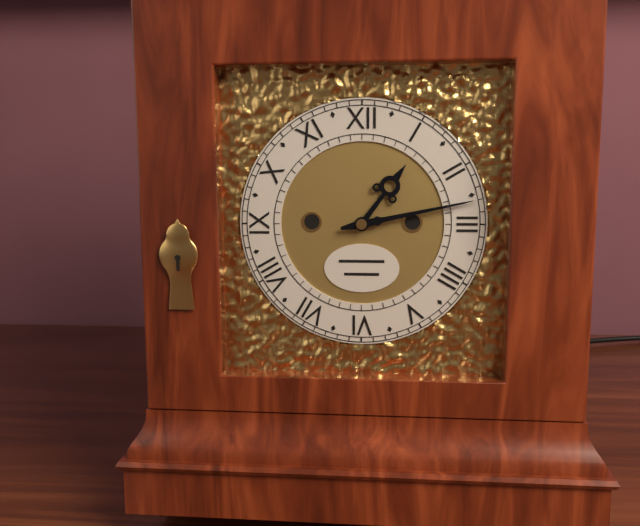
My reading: 1:13
